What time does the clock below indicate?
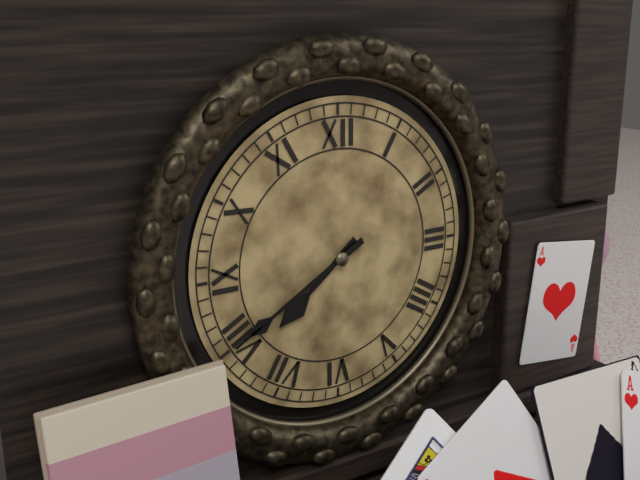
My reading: 7:40
